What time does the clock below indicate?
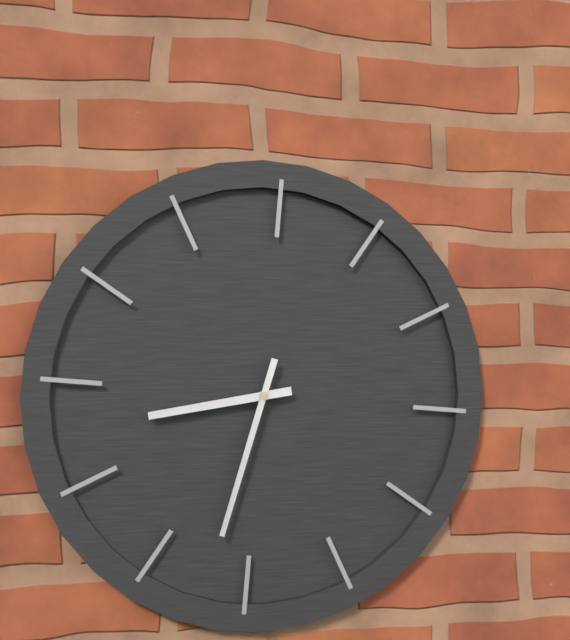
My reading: 8:32
